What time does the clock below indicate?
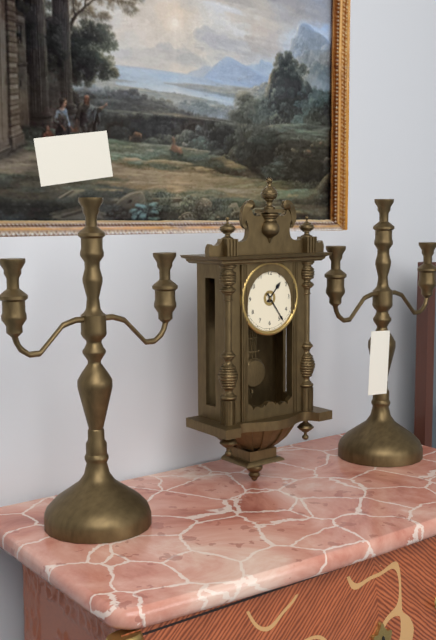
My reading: 1:24
